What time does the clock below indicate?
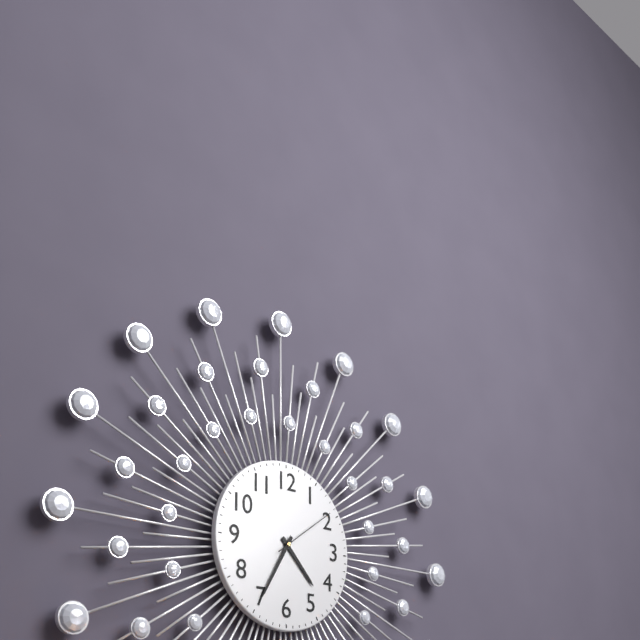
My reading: 4:35:09
